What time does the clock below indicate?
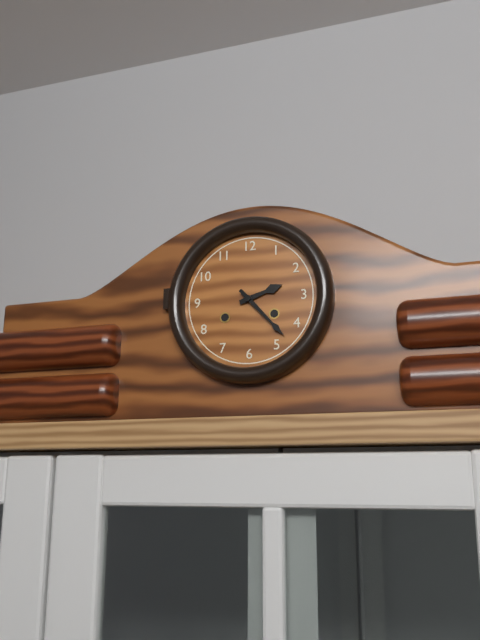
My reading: 2:23
